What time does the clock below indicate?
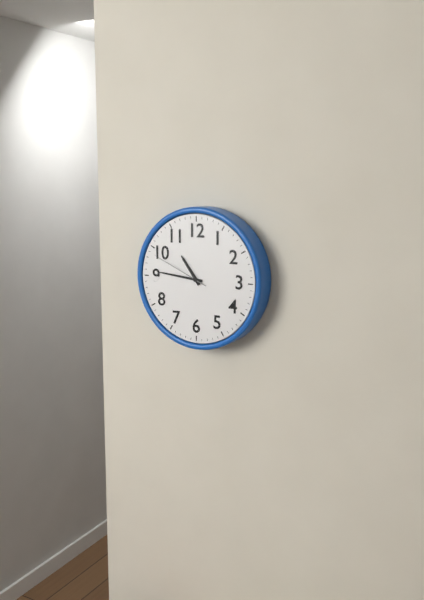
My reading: 10:46:49
